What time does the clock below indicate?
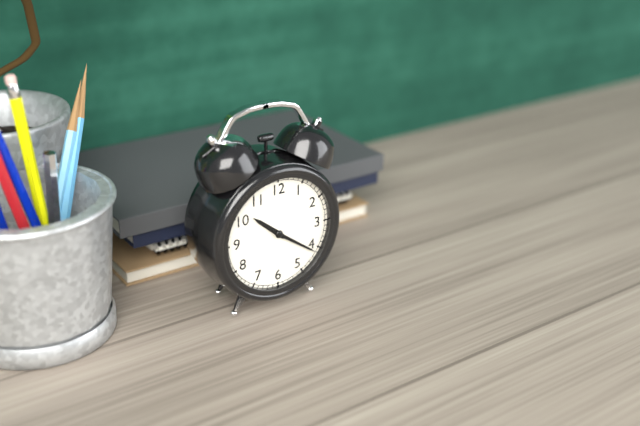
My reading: 10:21
